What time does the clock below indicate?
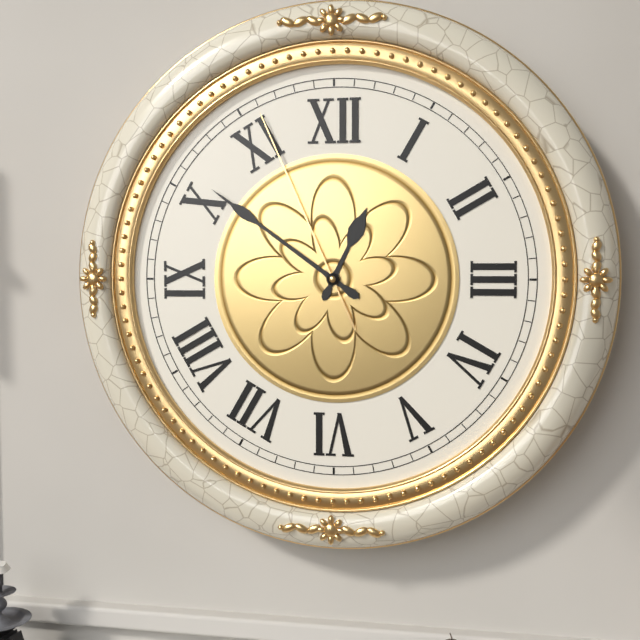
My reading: 12:51:56
